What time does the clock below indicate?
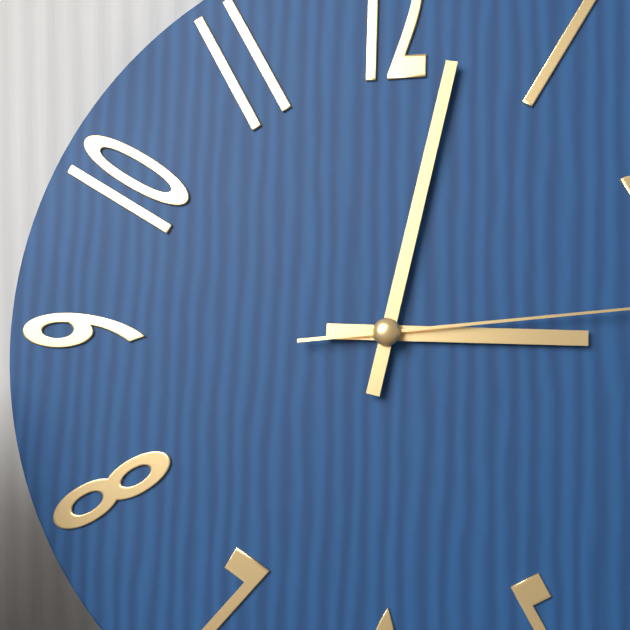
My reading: 3:02
